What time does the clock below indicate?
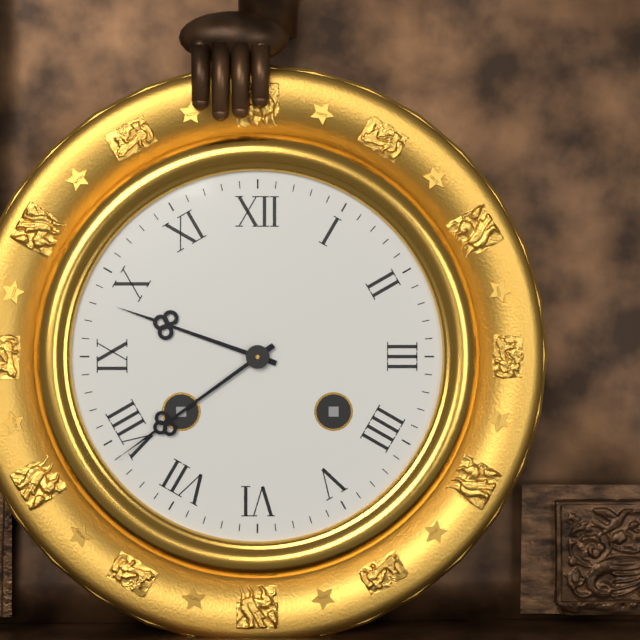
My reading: 9:39
